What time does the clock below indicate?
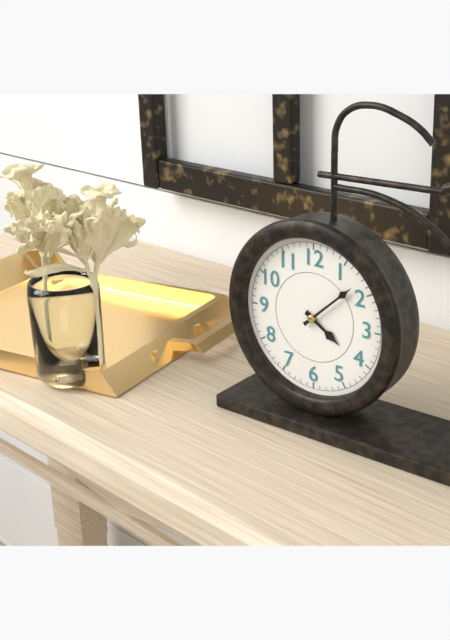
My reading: 4:08
